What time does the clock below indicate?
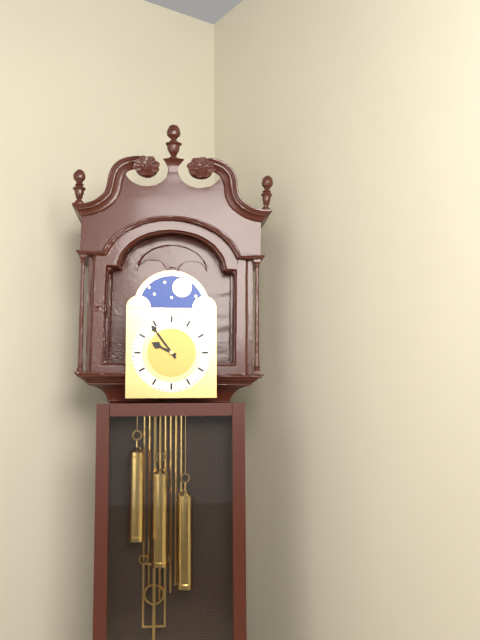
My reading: 9:54
